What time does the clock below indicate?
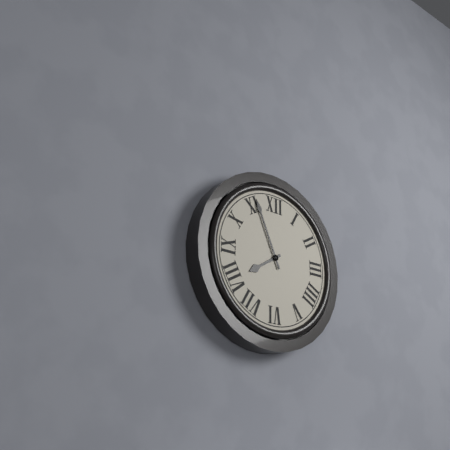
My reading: 7:56
